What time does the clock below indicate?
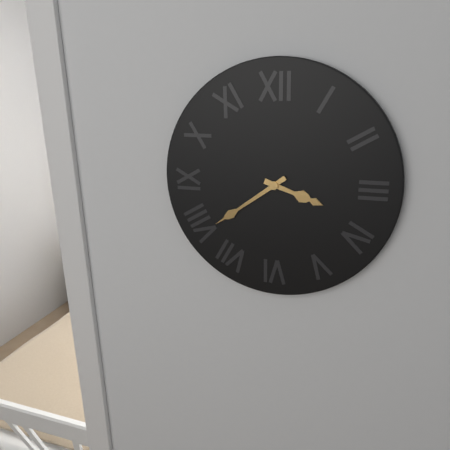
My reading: 3:39
